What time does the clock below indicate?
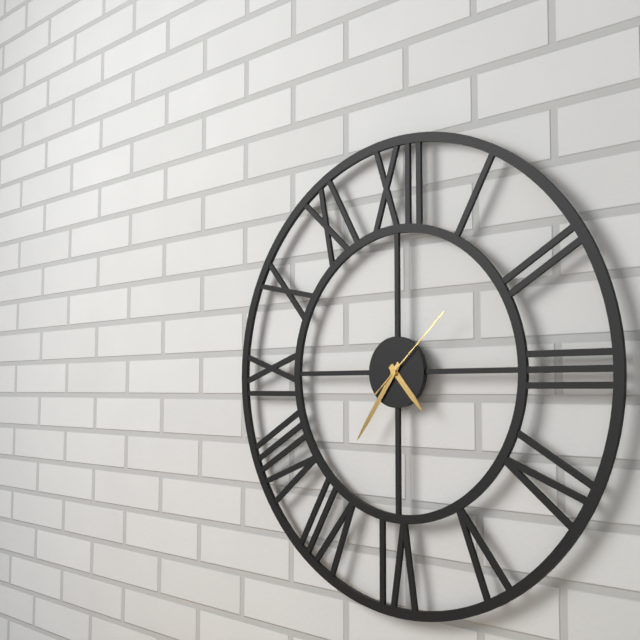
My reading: 4:36:08
